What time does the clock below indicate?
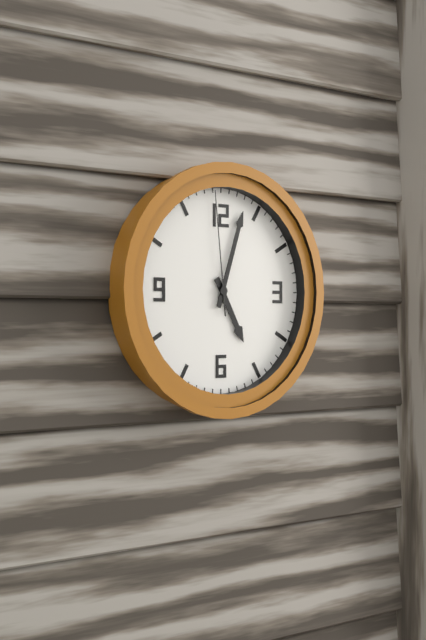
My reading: 5:03:59
